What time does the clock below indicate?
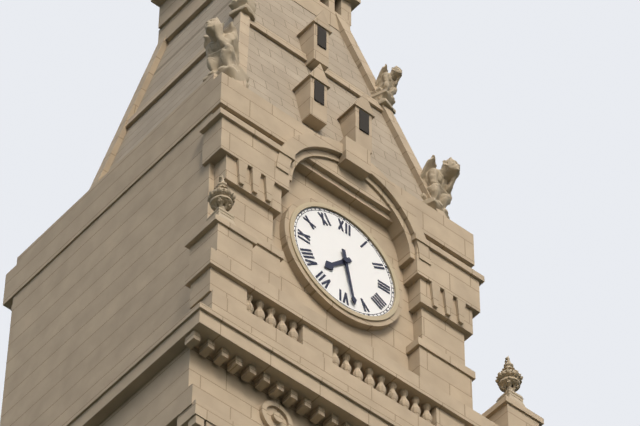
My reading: 7:28
